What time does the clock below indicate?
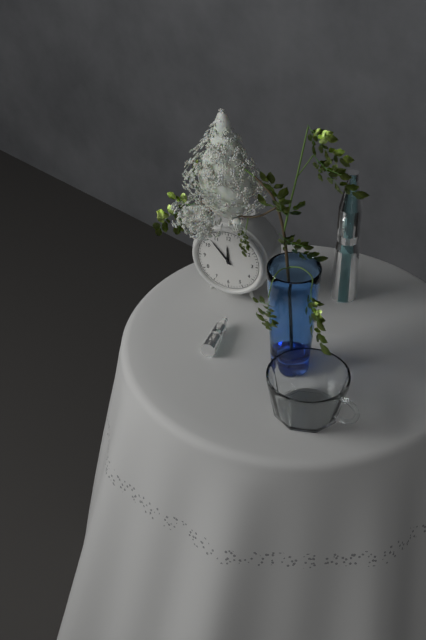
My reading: 11:53
